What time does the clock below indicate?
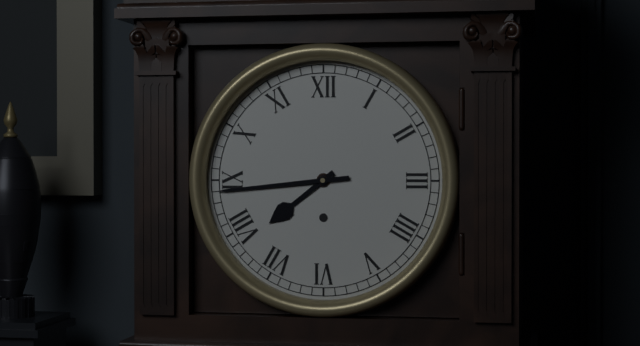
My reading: 7:44
